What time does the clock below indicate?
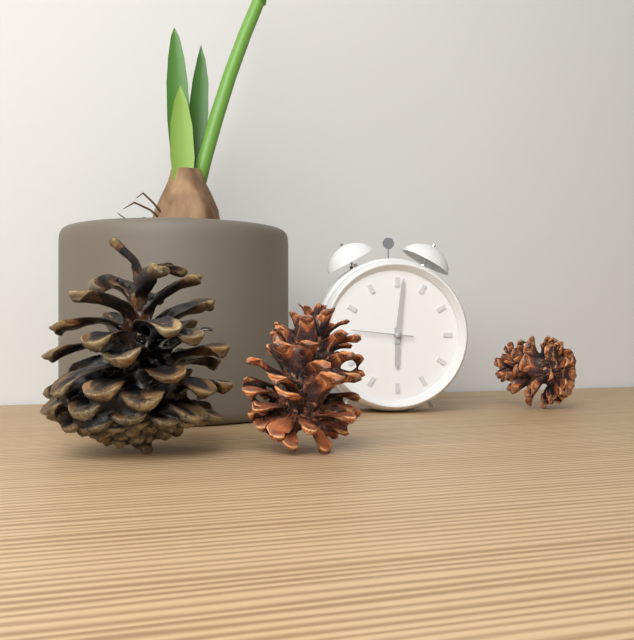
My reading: 6:01:46
